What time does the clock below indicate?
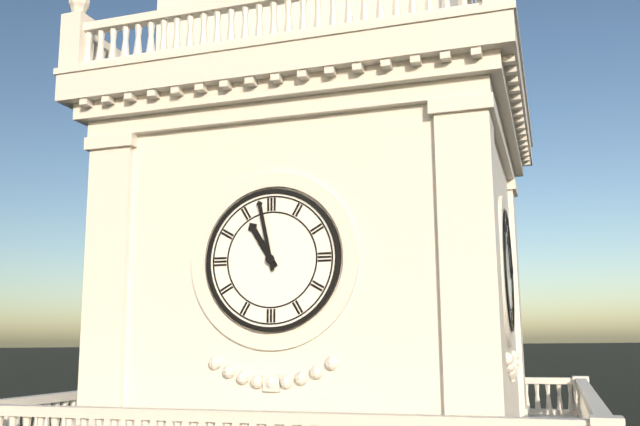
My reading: 10:58
